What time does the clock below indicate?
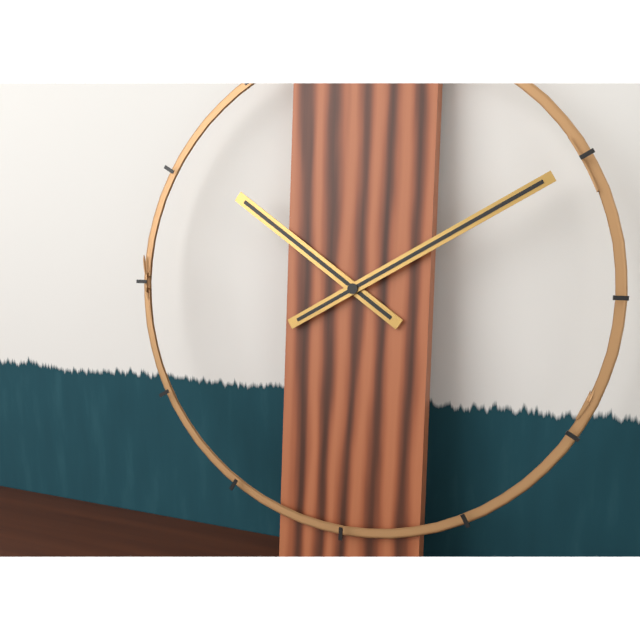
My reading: 10:10
